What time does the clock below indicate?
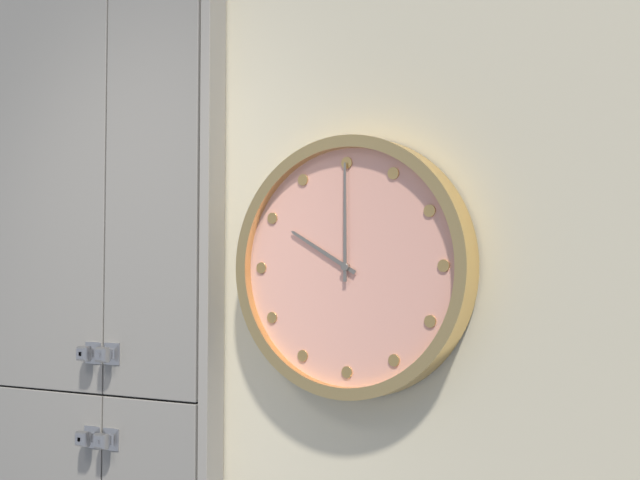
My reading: 10:00
